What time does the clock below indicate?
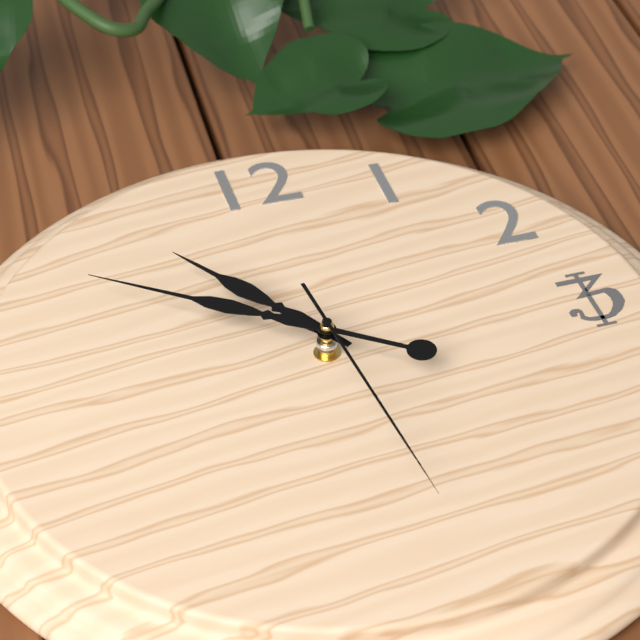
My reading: 10:51:29
